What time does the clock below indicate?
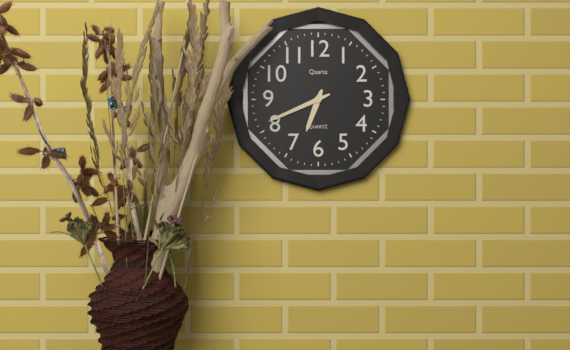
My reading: 6:41
